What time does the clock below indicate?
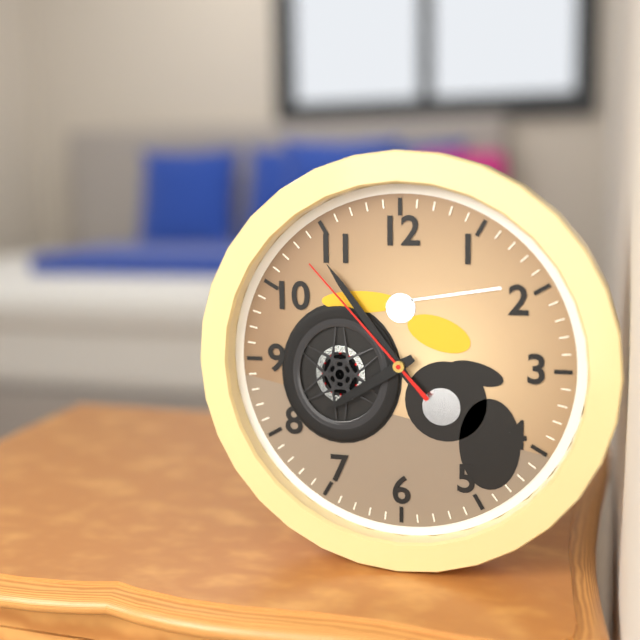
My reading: 7:54:53
